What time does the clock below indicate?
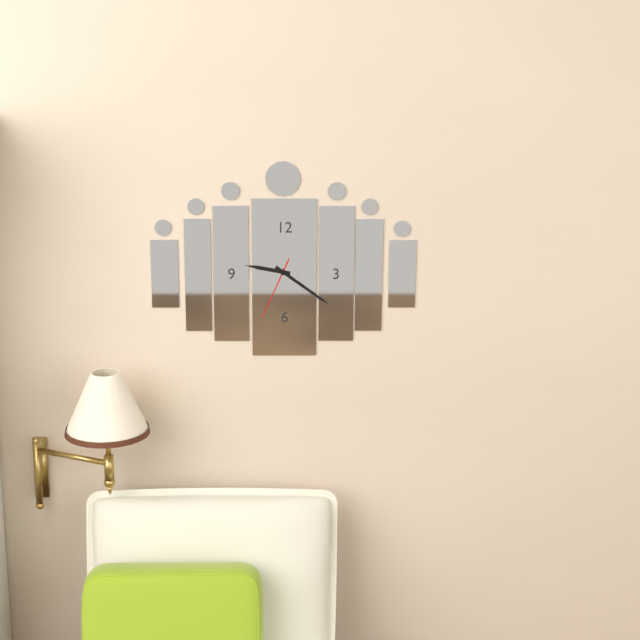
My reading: 9:21:34
